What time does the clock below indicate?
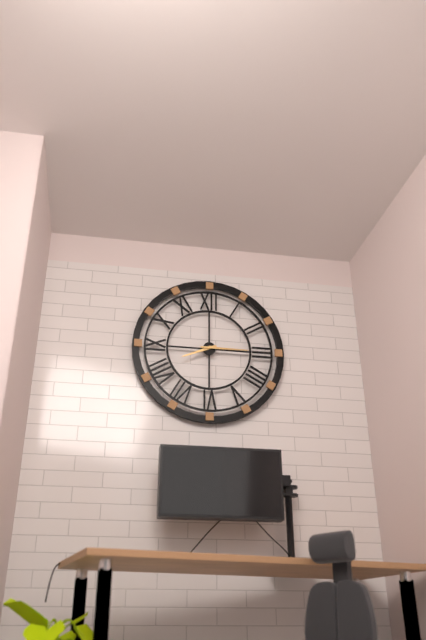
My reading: 8:15
